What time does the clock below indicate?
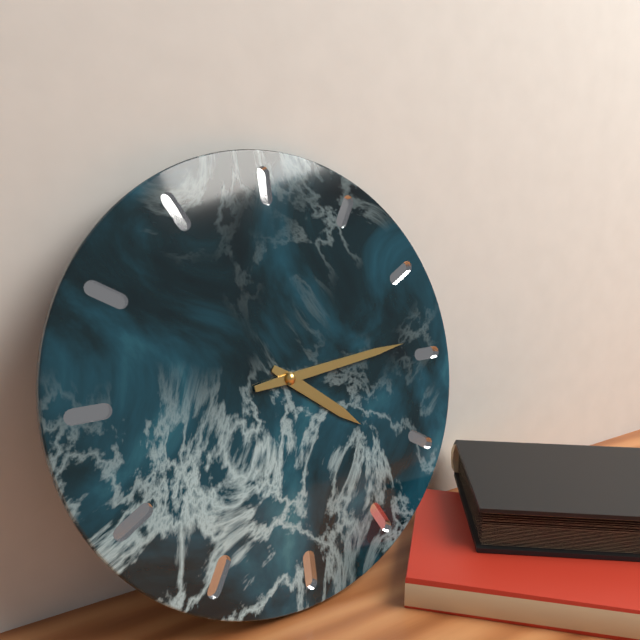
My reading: 4:14
